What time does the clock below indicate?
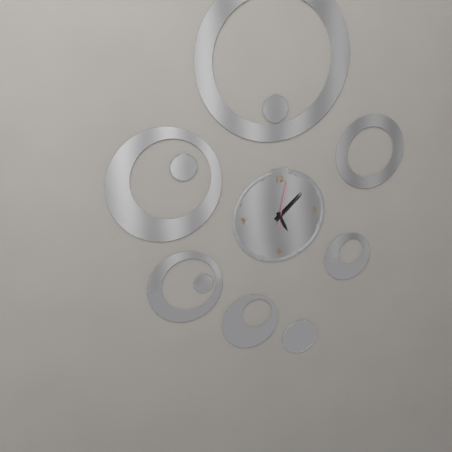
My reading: 5:08
